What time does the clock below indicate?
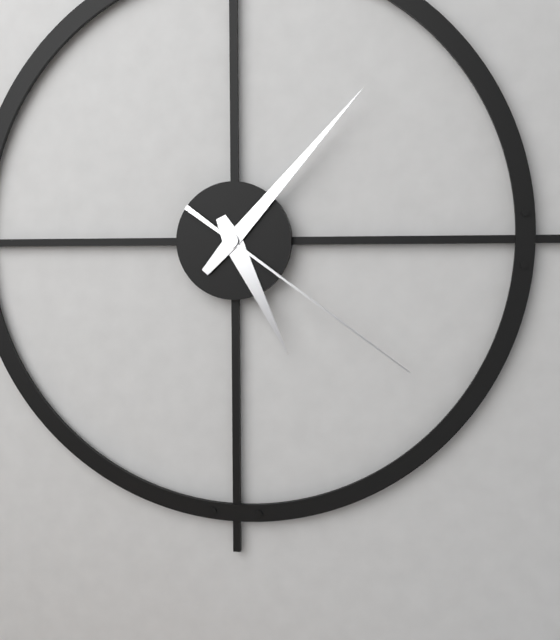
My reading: 5:07:21
